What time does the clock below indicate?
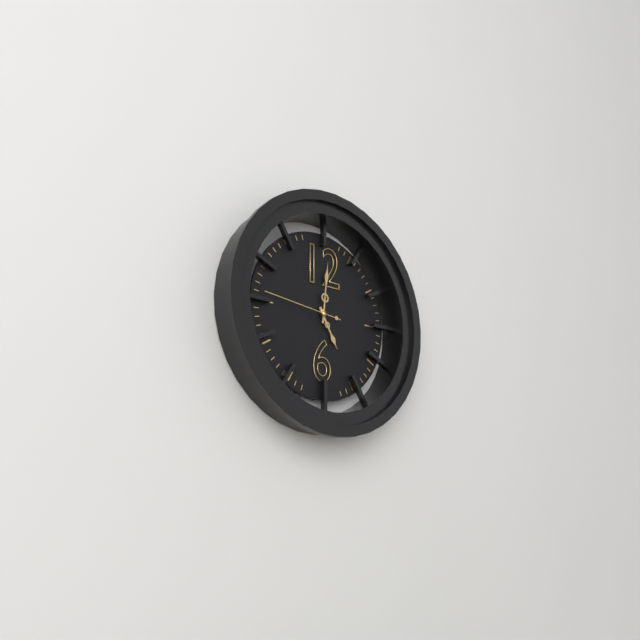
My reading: 5:01:46
